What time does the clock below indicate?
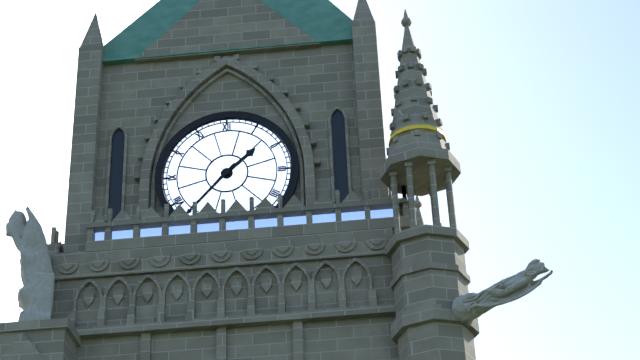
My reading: 1:37
